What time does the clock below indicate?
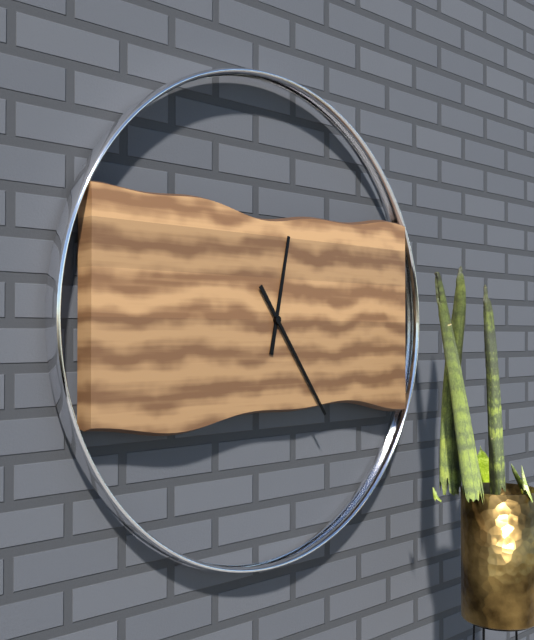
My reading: 12:24
